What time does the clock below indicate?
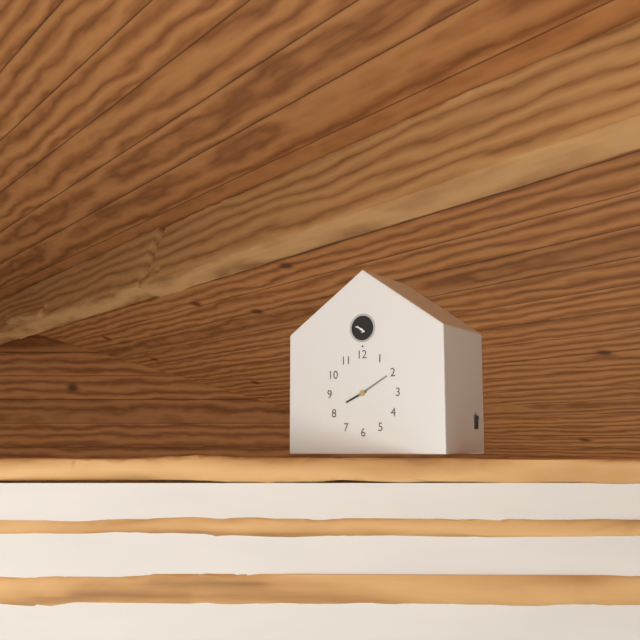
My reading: 8:10
